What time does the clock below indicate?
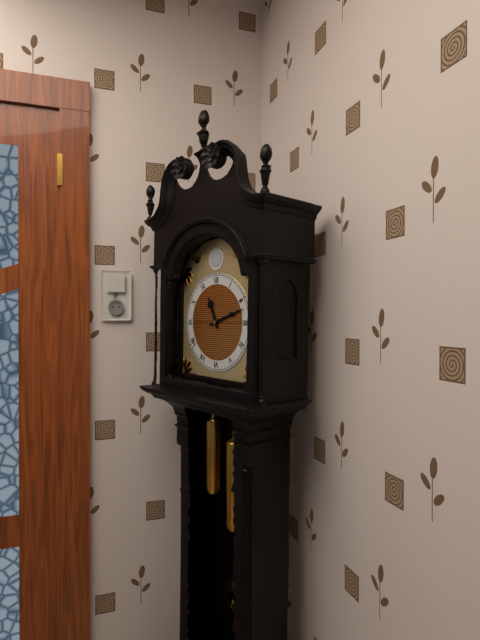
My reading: 11:12
